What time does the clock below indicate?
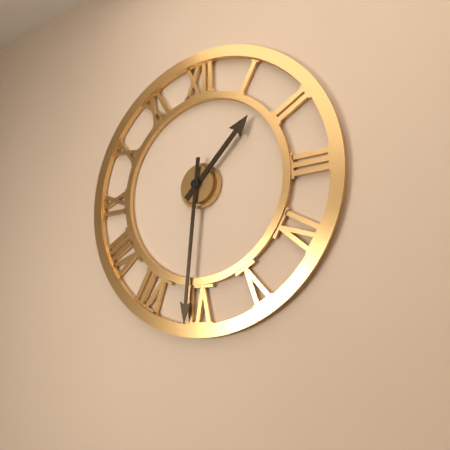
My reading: 1:31
